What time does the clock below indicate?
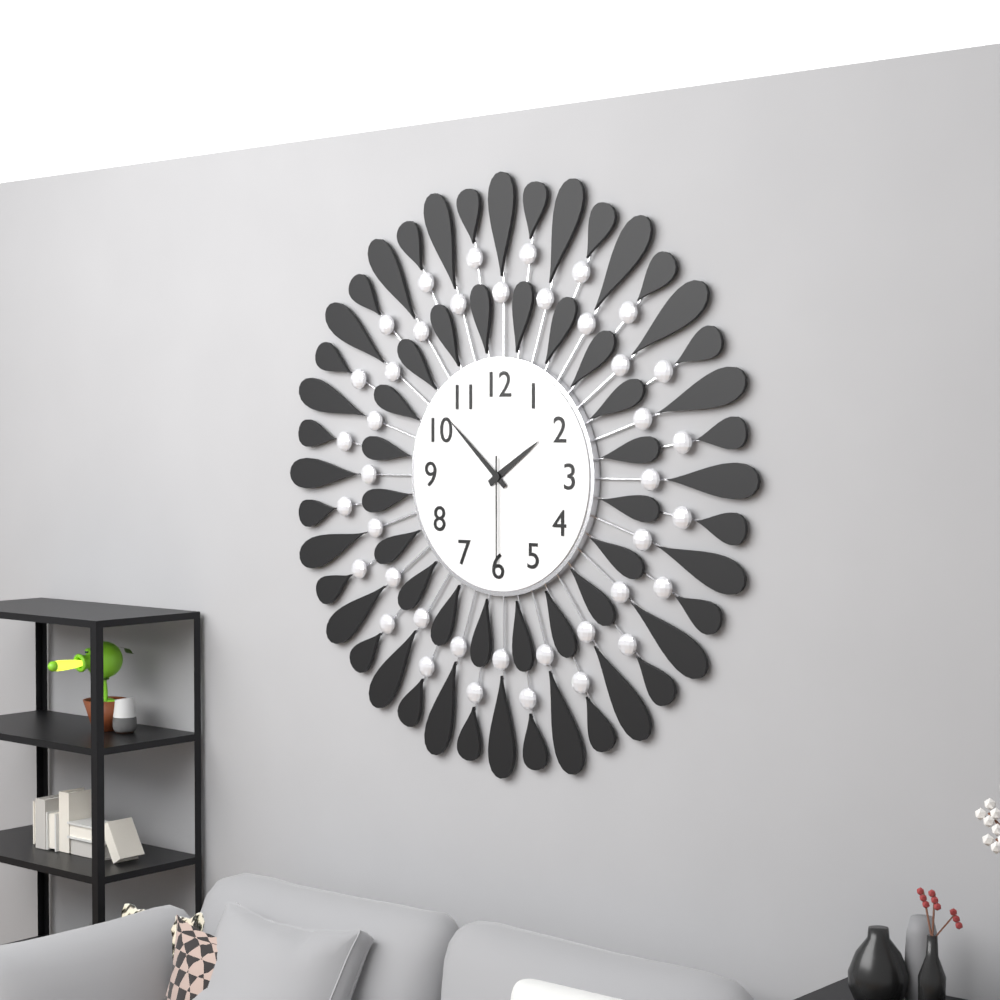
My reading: 1:52:30
